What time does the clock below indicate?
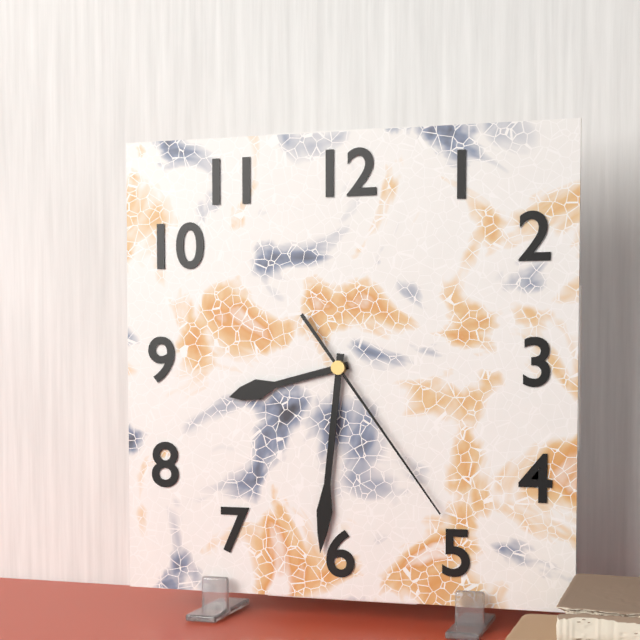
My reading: 8:31:24
